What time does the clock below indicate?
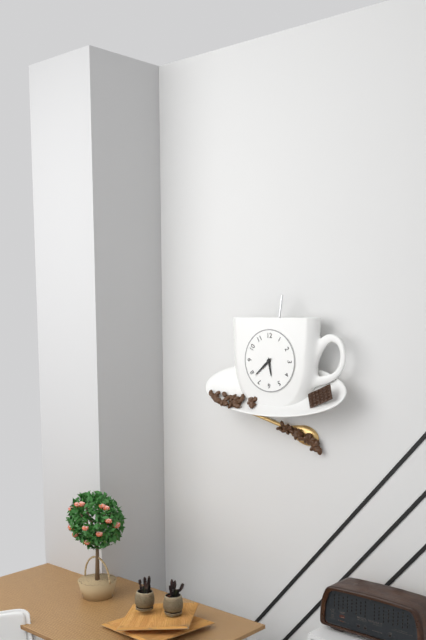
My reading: 5:38
